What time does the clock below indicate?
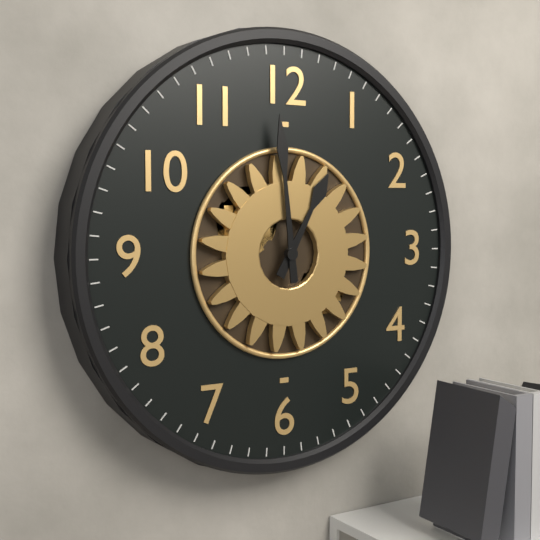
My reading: 12:59
